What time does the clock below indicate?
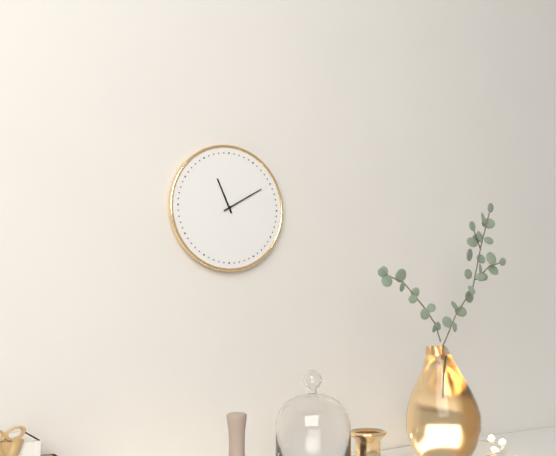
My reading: 11:10
